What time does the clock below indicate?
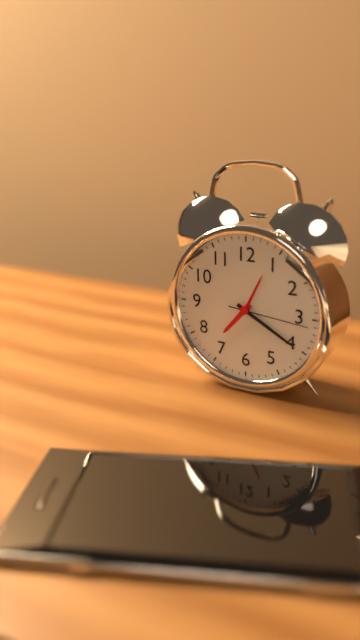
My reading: 7:20:16
